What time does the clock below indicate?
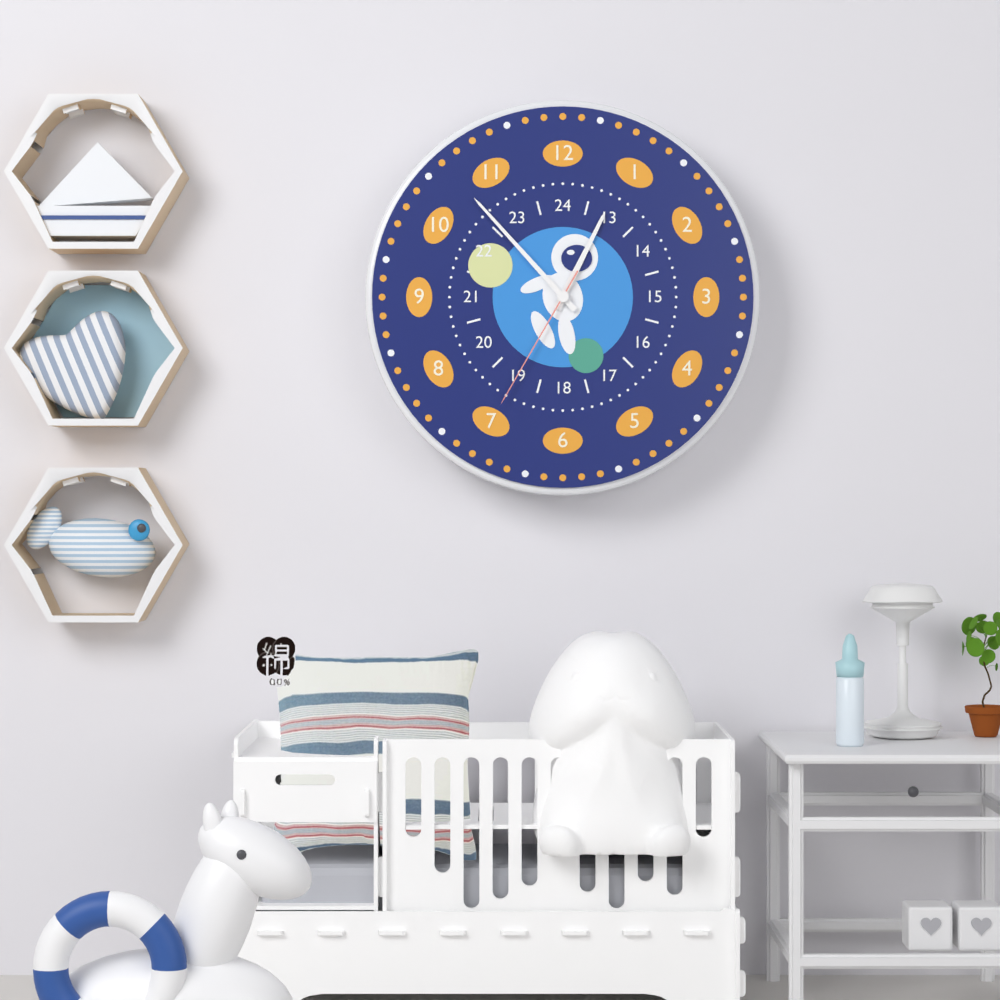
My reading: 12:53:35
